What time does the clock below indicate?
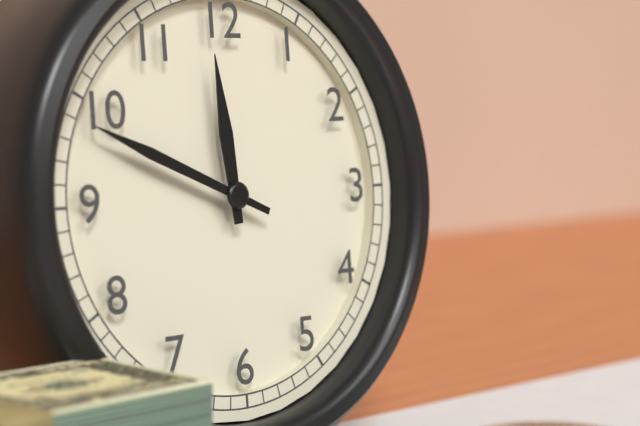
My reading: 11:49
